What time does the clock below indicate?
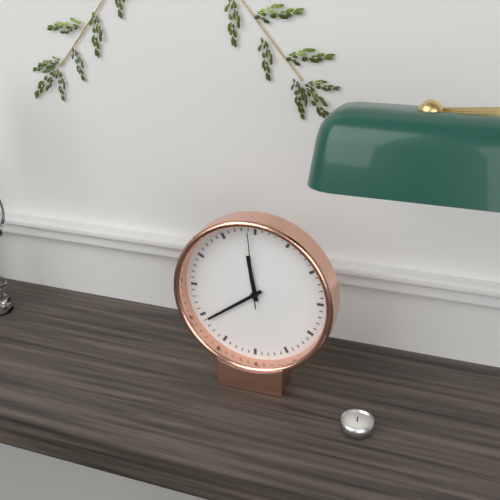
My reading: 11:39:59
